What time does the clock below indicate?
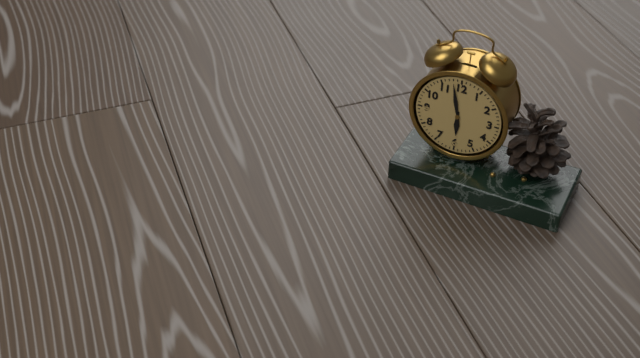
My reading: 5:58
